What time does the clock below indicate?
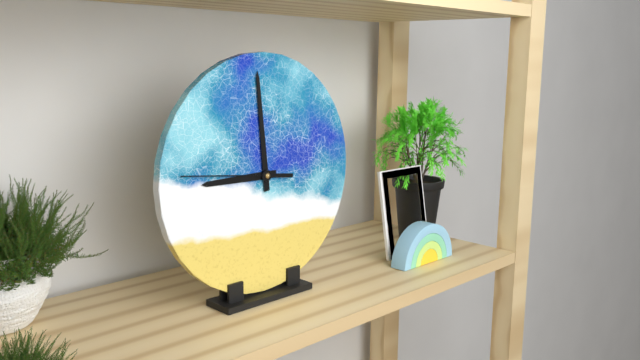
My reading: 8:59:46
